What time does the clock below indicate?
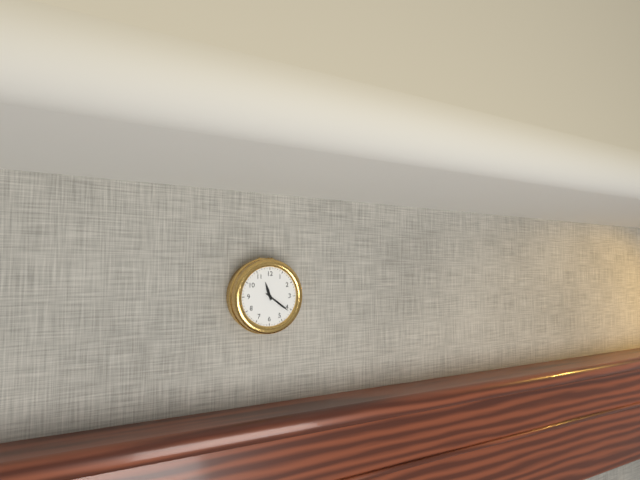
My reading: 11:21
